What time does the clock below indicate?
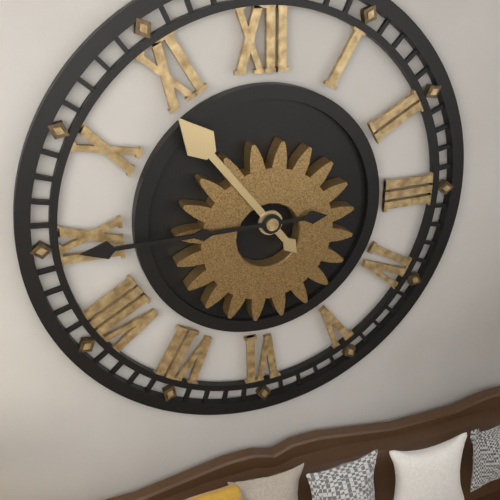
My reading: 10:45
